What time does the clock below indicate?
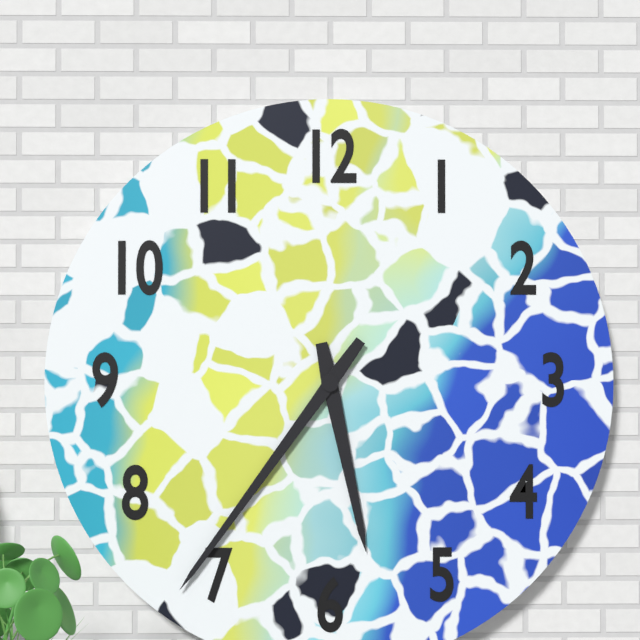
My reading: 5:36
